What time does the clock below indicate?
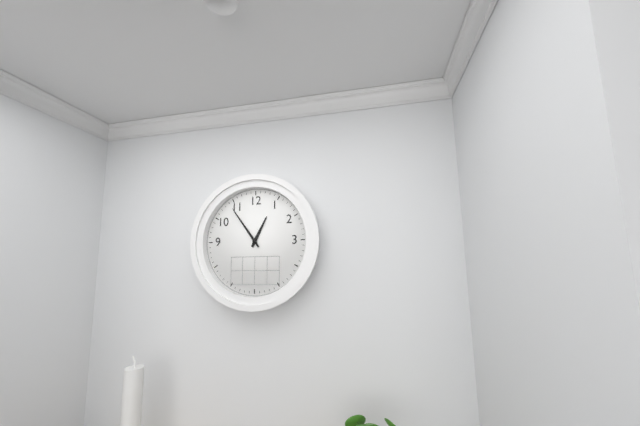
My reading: 12:54
